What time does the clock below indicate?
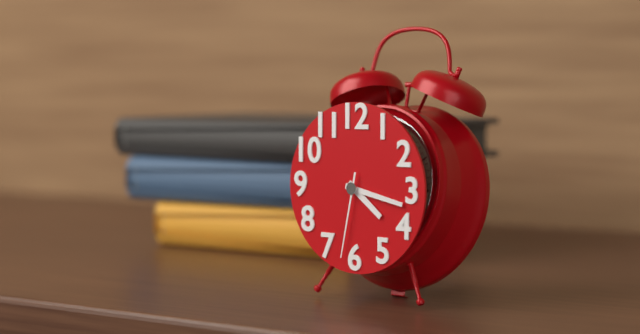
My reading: 4:17:32
